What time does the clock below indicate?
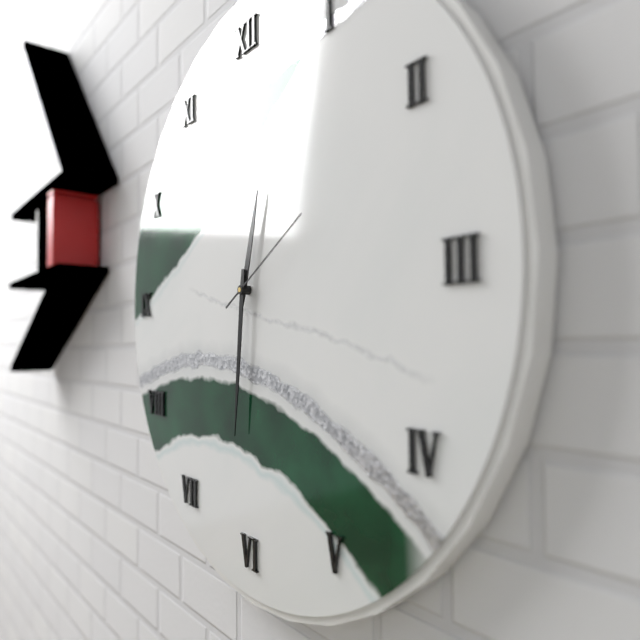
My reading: 12:31:10
